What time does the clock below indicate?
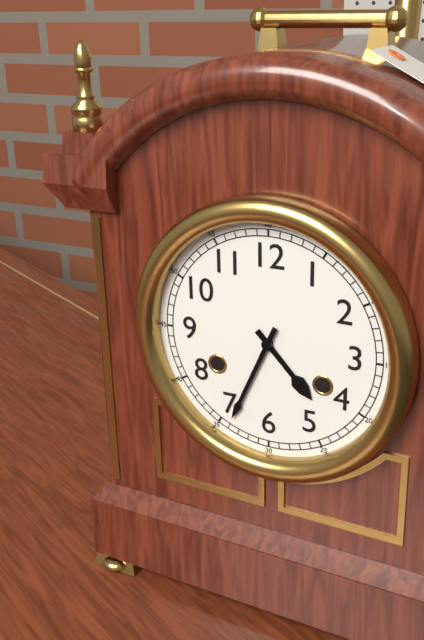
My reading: 4:34
